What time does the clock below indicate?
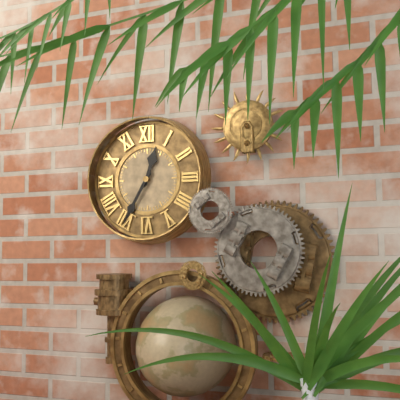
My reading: 12:35
